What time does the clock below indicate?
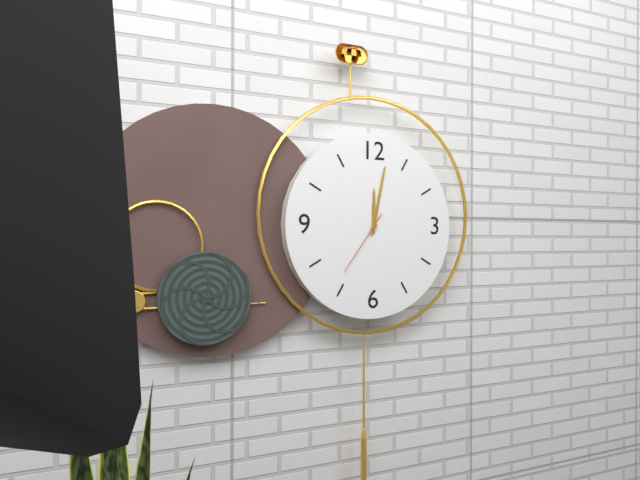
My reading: 12:02:36
